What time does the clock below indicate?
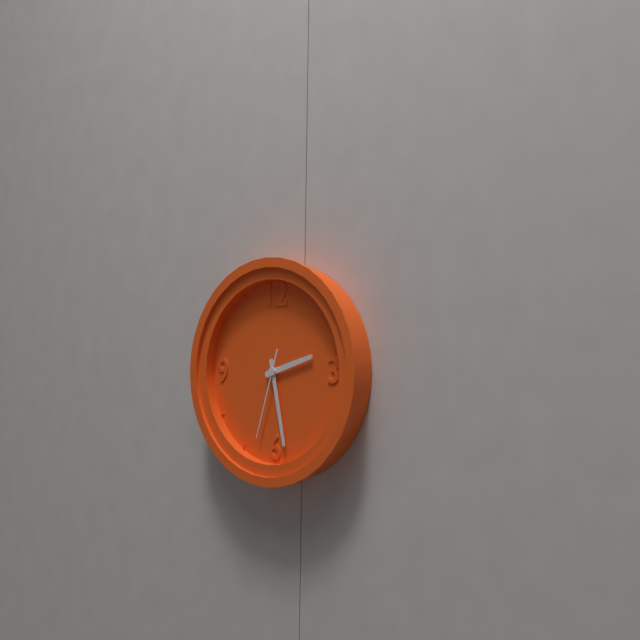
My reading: 2:28:33
